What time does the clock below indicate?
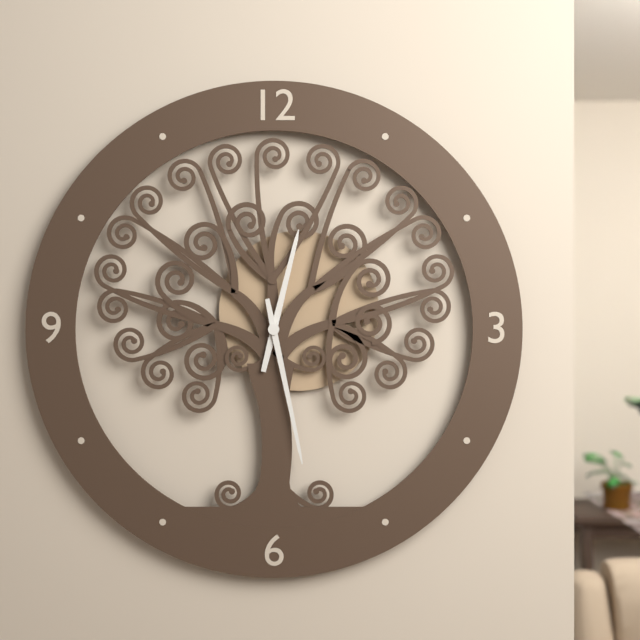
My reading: 12:28
